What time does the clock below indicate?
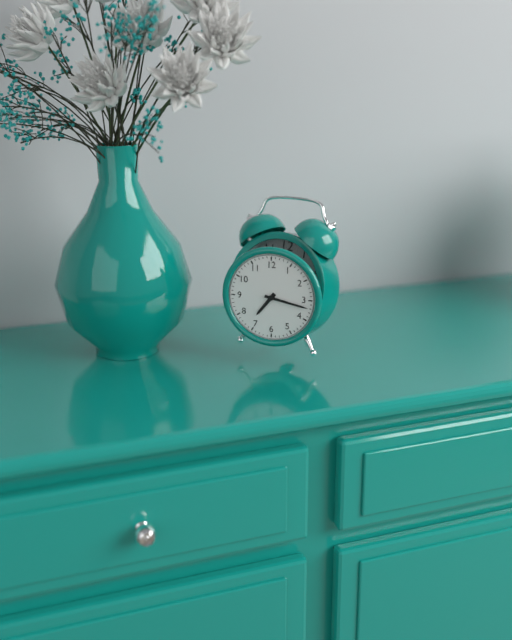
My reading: 7:17
